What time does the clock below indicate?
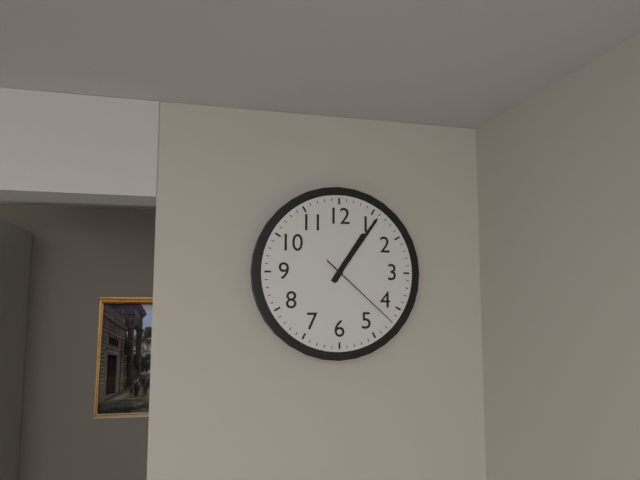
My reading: 1:06:22
